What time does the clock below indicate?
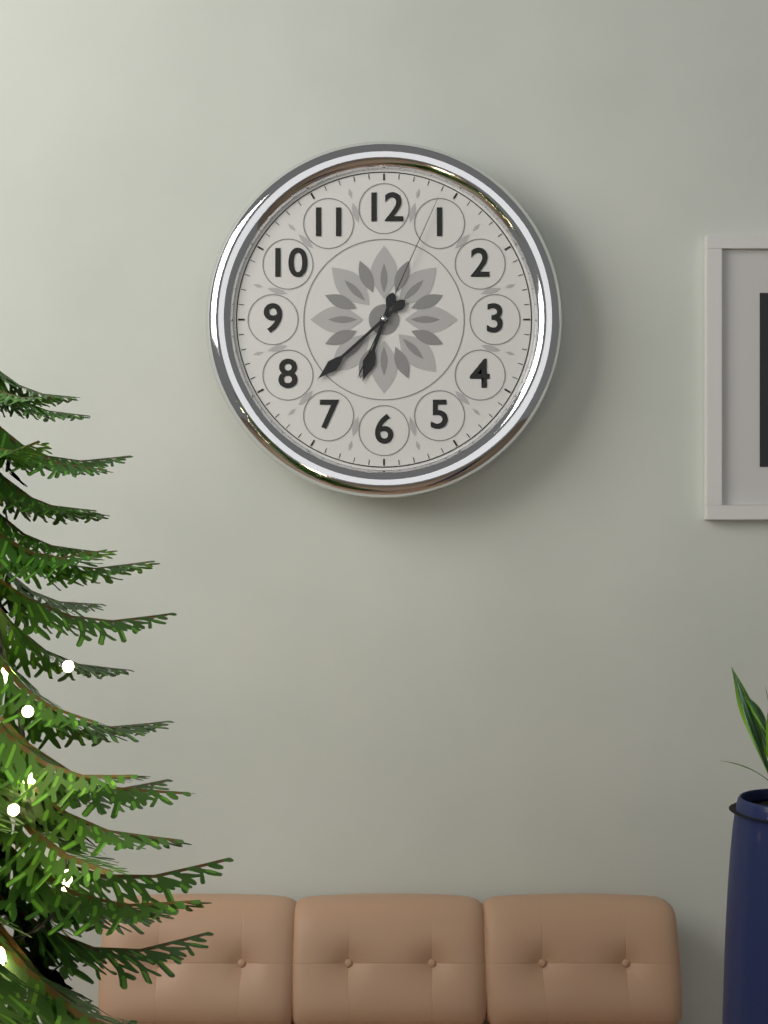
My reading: 6:38:04
